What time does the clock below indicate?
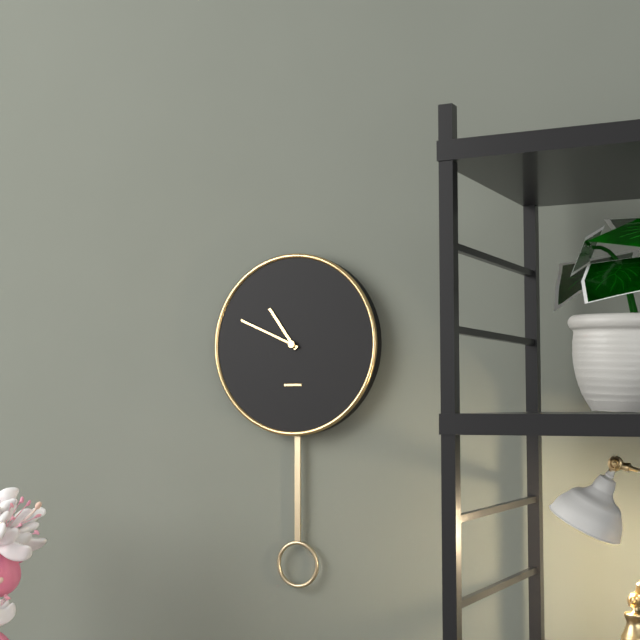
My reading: 10:49
